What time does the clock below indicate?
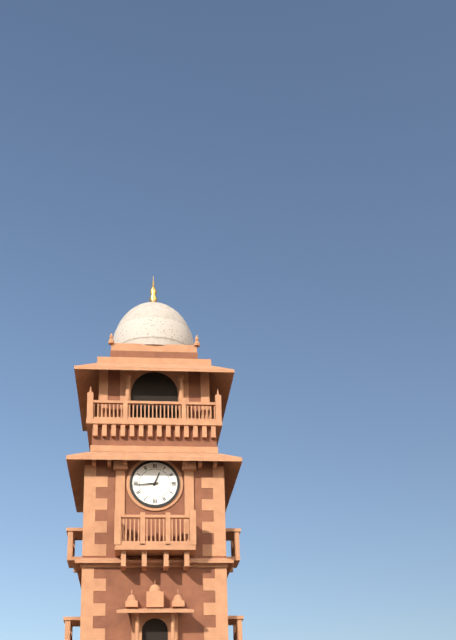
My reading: 12:44
